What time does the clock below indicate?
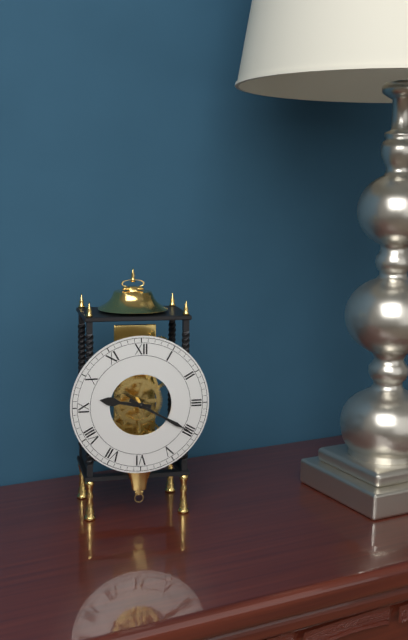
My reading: 9:20
